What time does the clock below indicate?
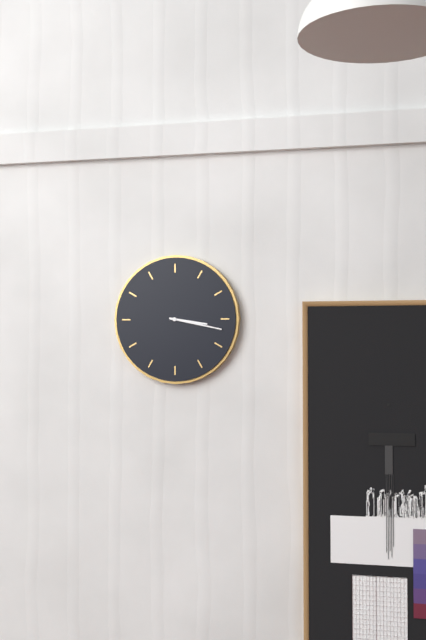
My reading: 3:17
